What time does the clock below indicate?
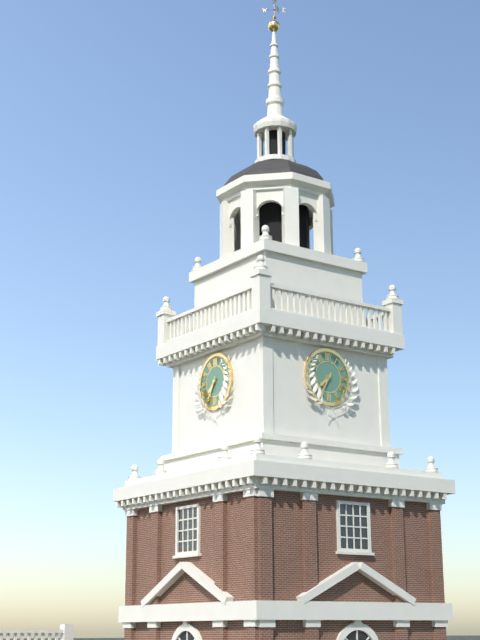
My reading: 7:35
